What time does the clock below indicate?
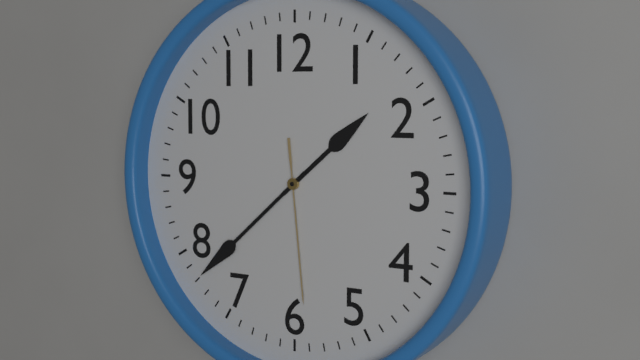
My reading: 1:38:29
